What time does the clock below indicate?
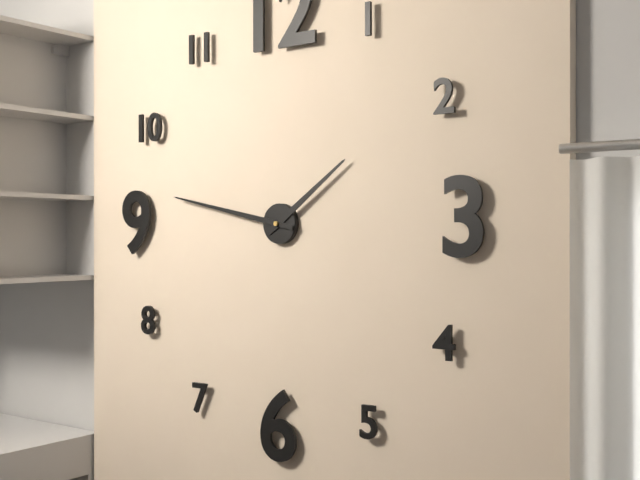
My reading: 1:47
